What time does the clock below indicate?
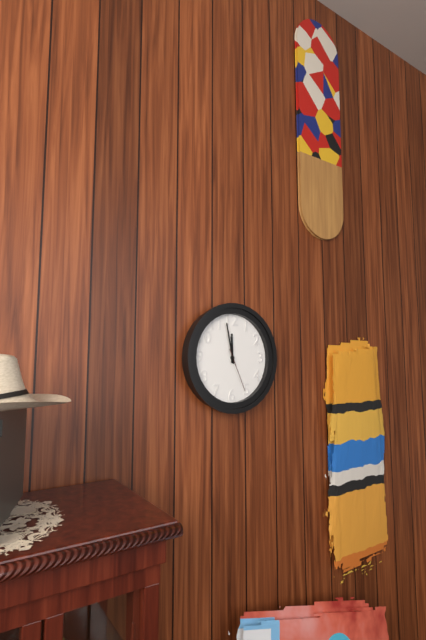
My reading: 11:58
